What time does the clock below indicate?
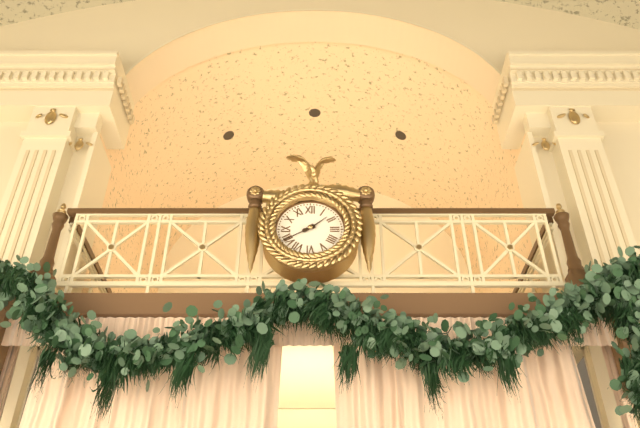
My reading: 1:40
